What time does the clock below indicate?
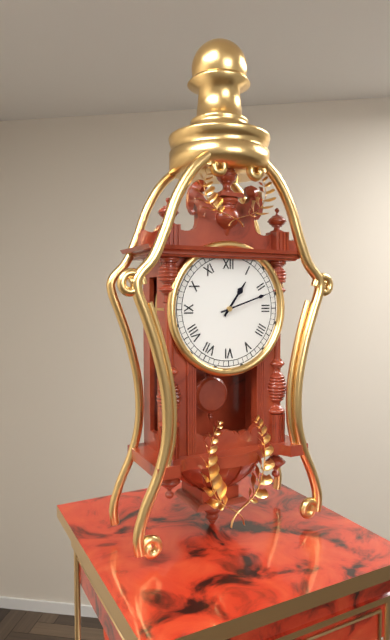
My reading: 1:12
